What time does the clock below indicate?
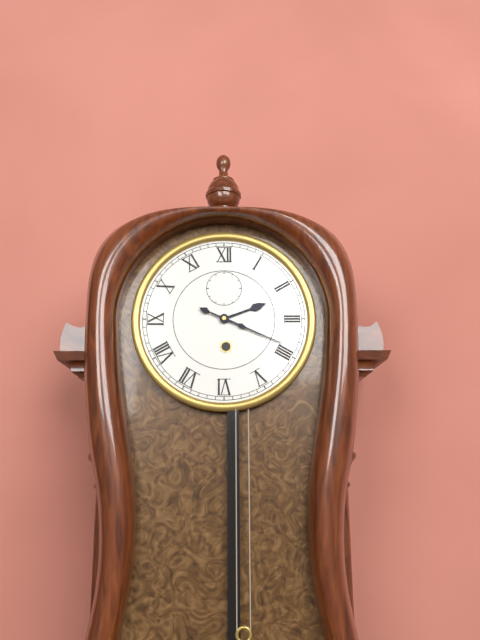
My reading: 2:19
